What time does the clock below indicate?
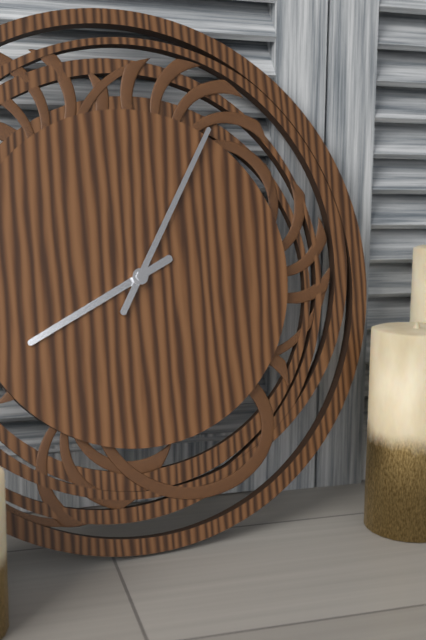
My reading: 8:05
